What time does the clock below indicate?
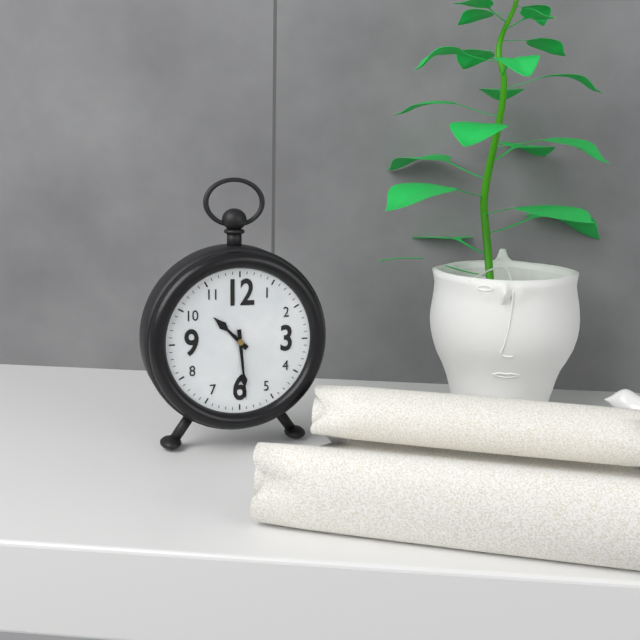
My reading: 10:29
